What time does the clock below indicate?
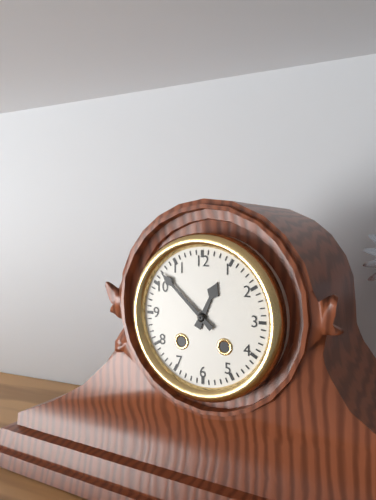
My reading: 12:52
